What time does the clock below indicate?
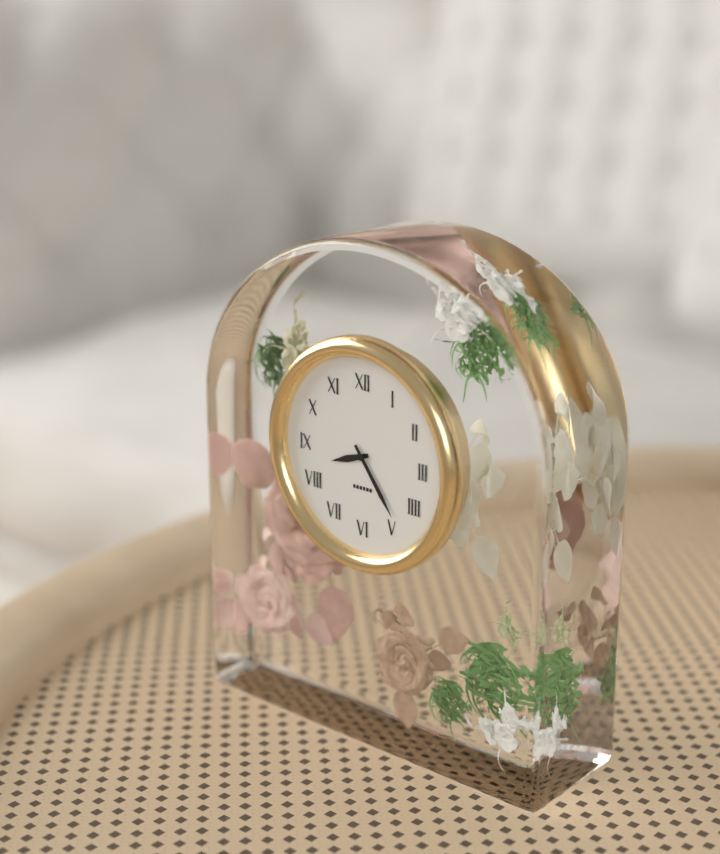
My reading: 8:24
